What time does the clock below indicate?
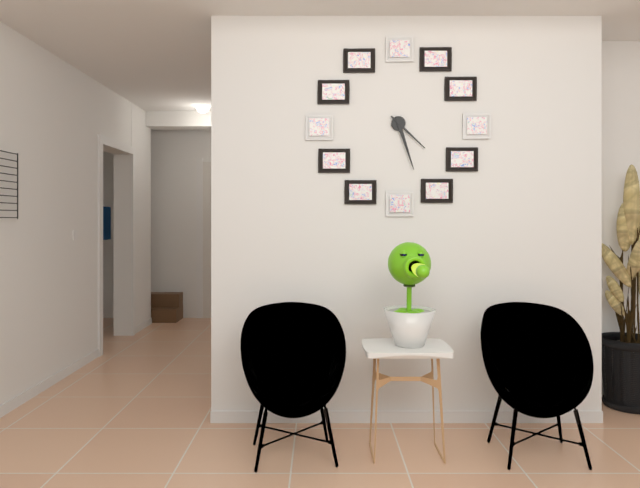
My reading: 4:27
